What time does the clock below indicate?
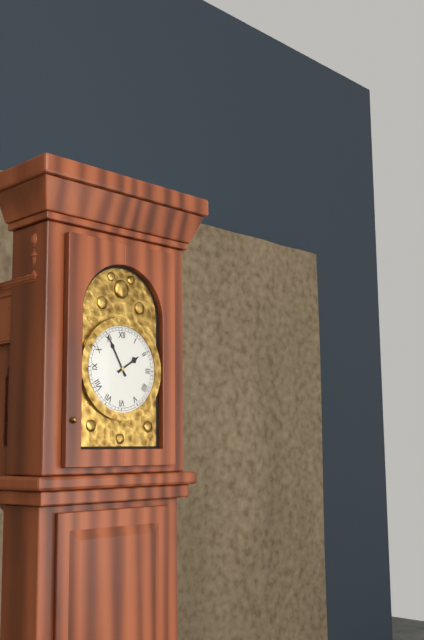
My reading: 1:55
